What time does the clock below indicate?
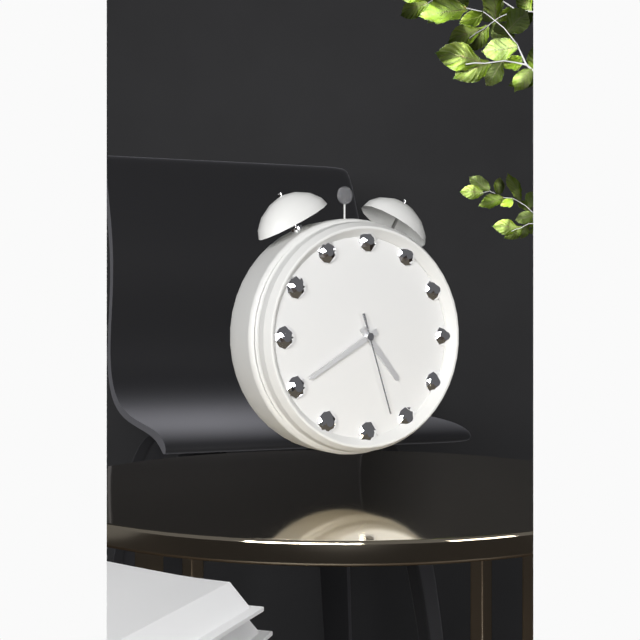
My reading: 4:40:27
